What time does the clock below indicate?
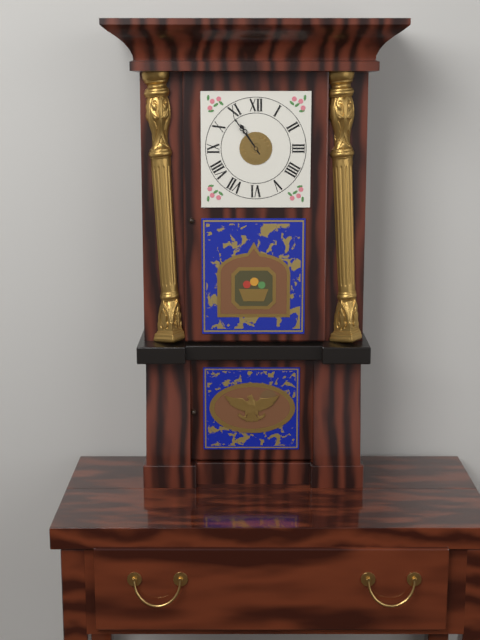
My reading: 10:54
